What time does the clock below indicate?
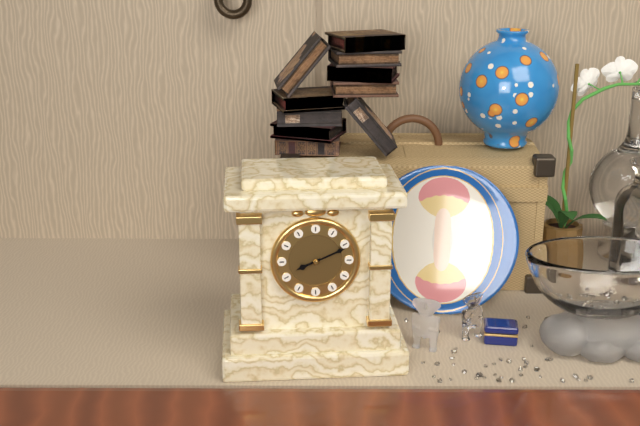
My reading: 8:11
